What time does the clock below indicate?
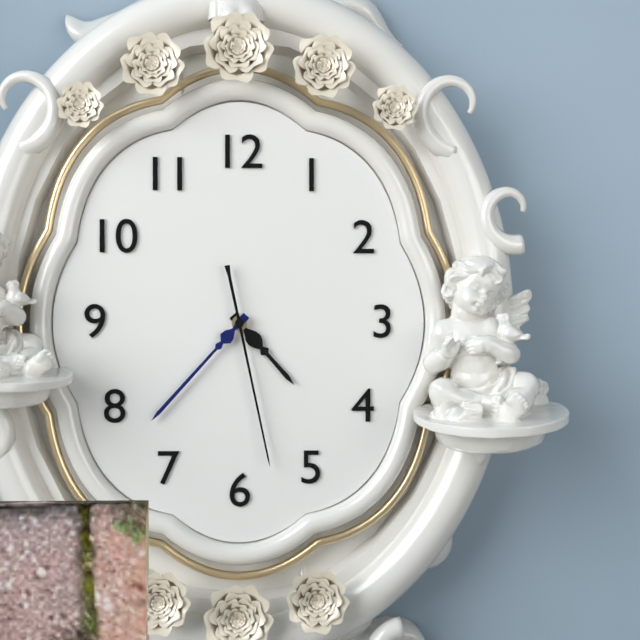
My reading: 4:37:28
